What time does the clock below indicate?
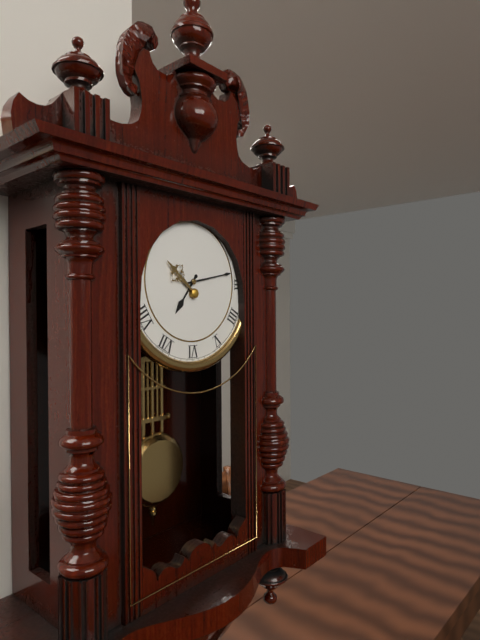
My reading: 7:13
